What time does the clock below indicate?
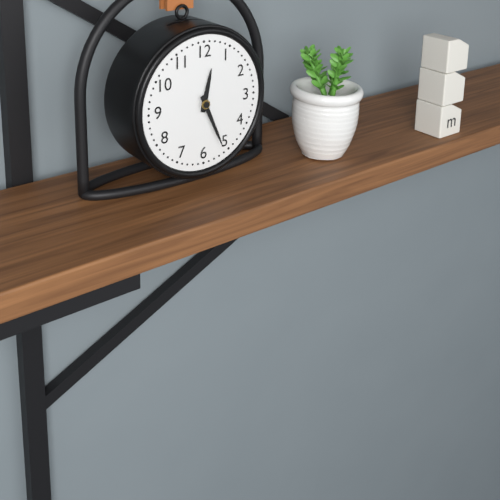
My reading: 12:26
